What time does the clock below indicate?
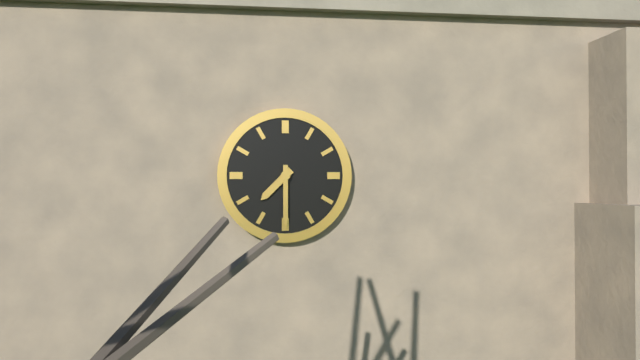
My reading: 7:30
